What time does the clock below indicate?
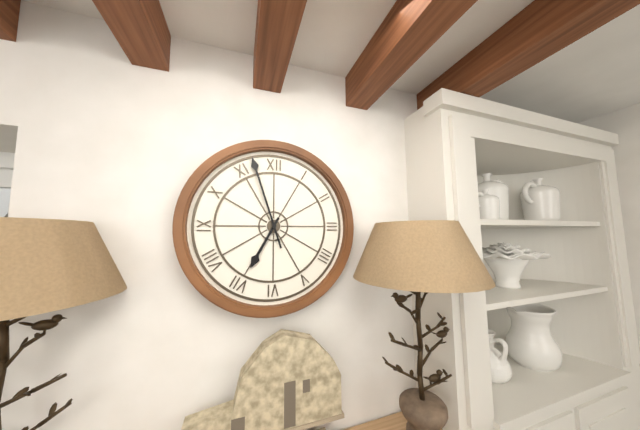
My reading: 6:57
